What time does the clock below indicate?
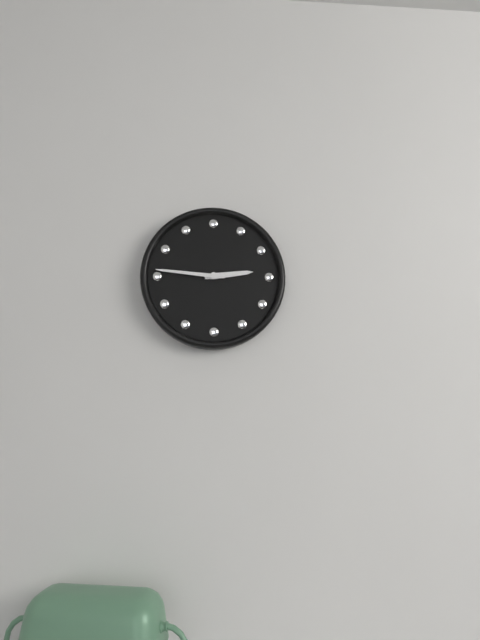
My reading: 2:46
